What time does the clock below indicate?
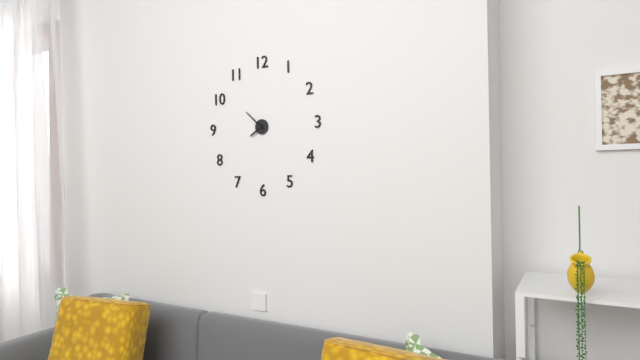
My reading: 7:52
